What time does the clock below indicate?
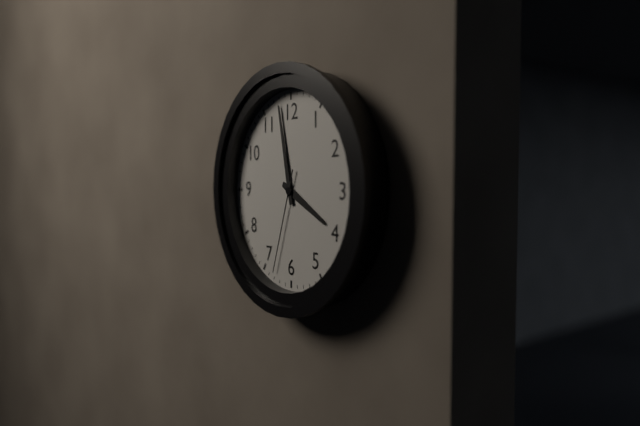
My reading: 3:58:33
